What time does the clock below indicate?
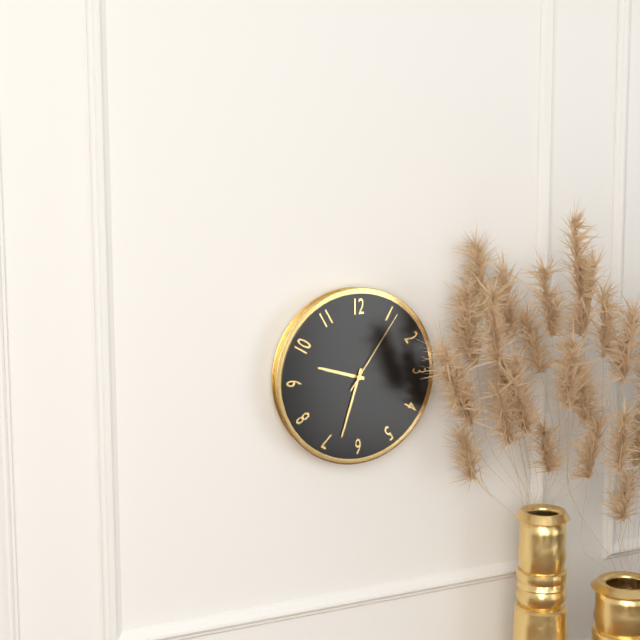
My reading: 9:33:06
